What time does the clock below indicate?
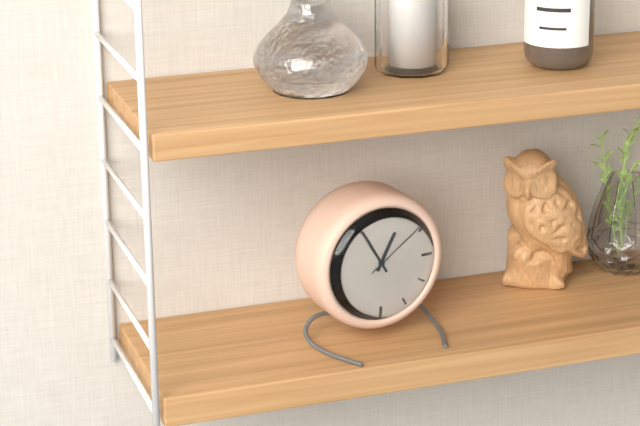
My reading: 12:55:09
